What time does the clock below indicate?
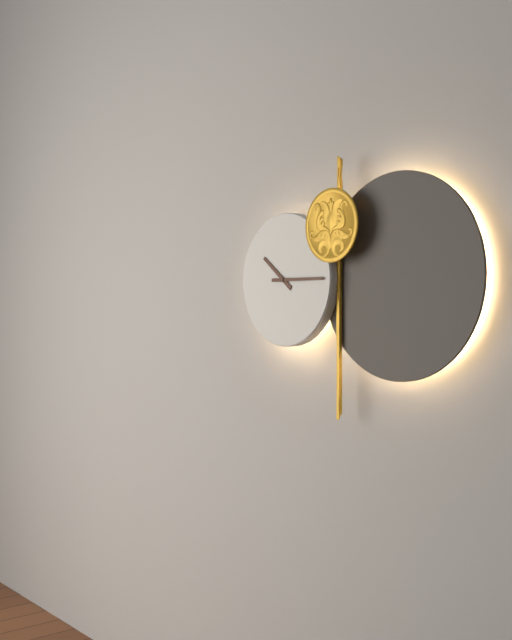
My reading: 10:15
